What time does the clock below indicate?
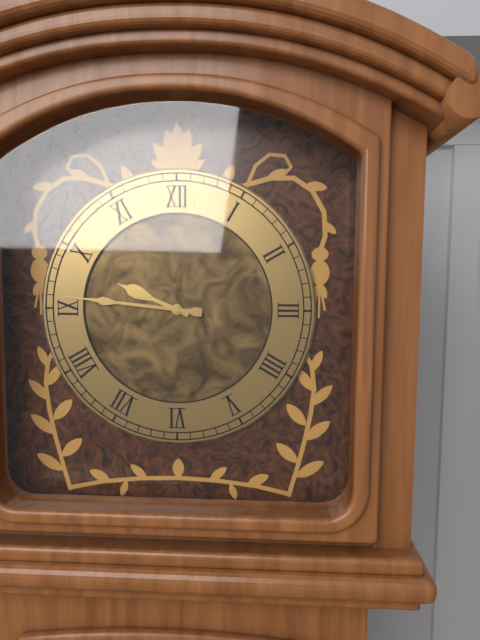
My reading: 9:46
